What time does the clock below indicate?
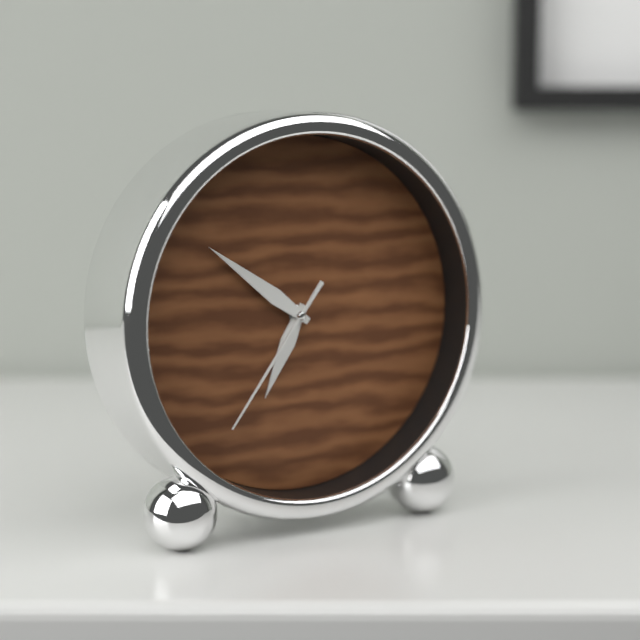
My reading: 6:51:36
